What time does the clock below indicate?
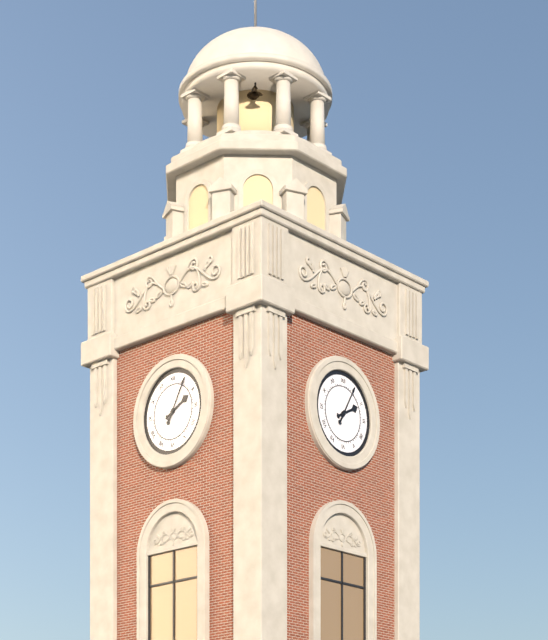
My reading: 2:05
